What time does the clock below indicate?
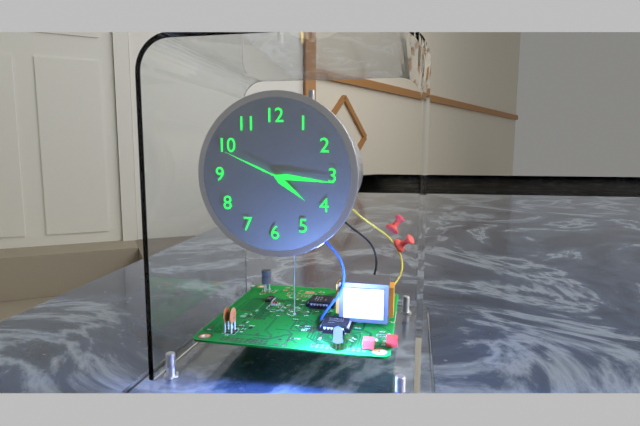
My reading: 4:16:49
